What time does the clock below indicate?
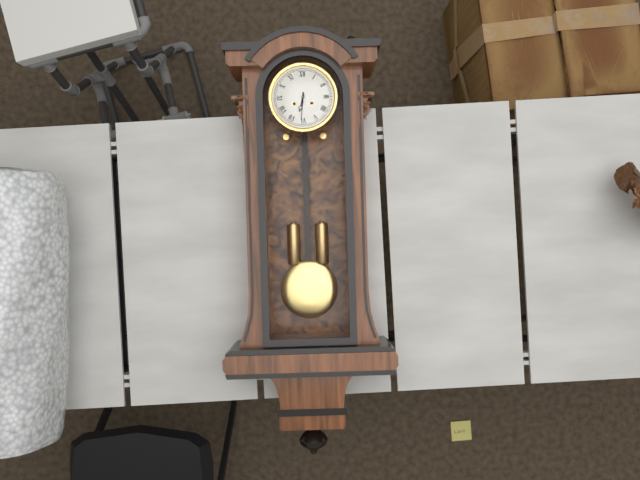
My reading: 6:31
